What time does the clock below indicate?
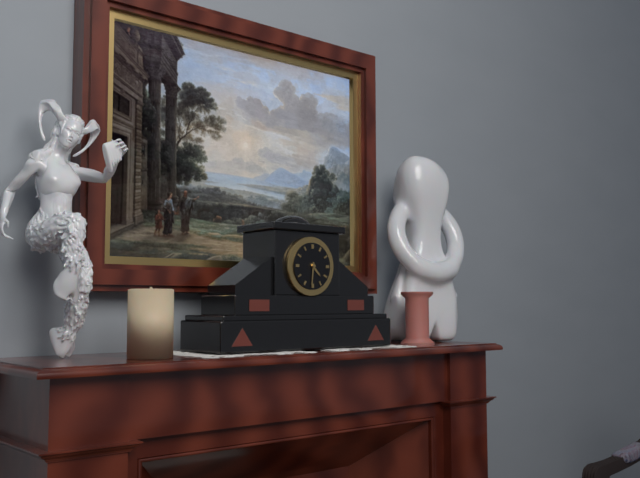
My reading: 4:31
